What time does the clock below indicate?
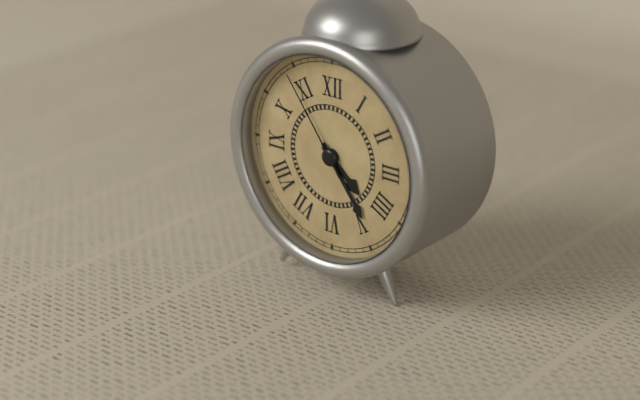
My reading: 4:24:54
